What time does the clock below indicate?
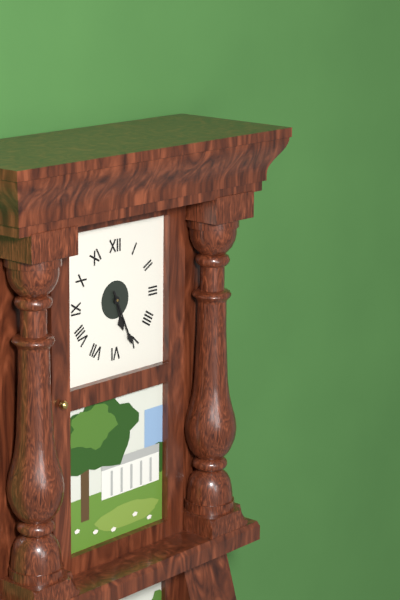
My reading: 5:26
